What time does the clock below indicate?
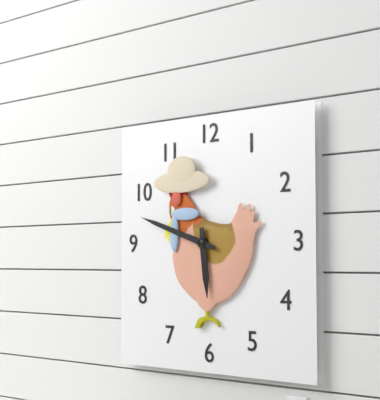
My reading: 5:48
